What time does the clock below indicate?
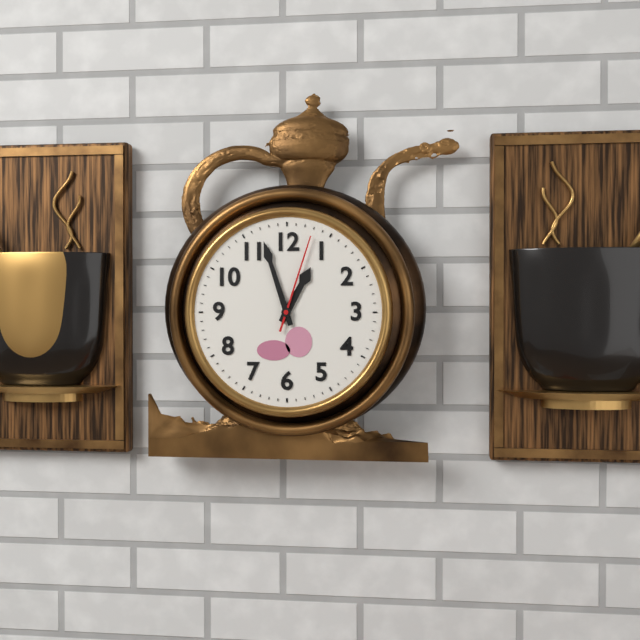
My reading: 12:57:03
